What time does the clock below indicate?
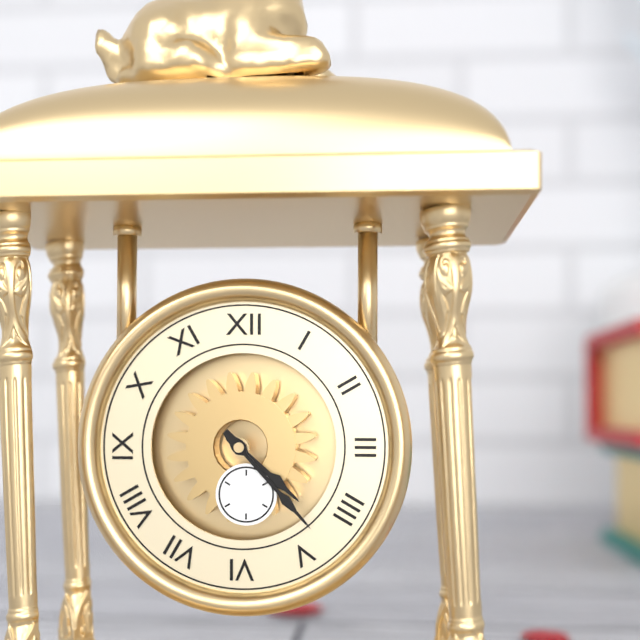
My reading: 4:23
